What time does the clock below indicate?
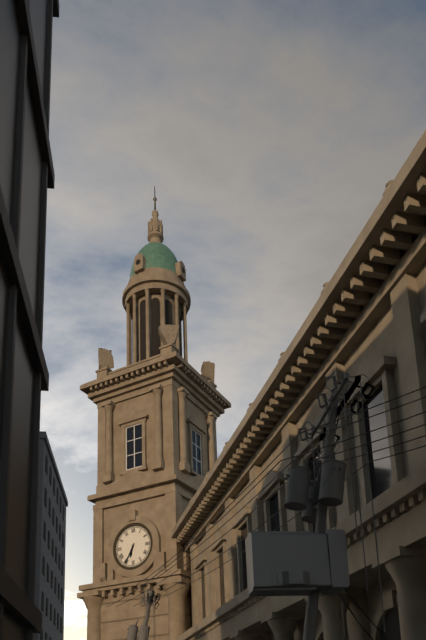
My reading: 6:35
